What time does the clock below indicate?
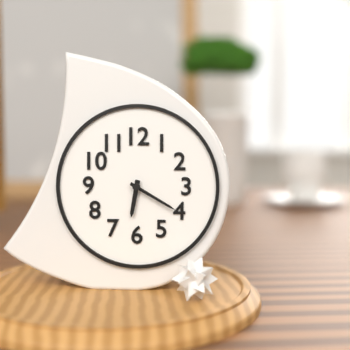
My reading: 6:20
